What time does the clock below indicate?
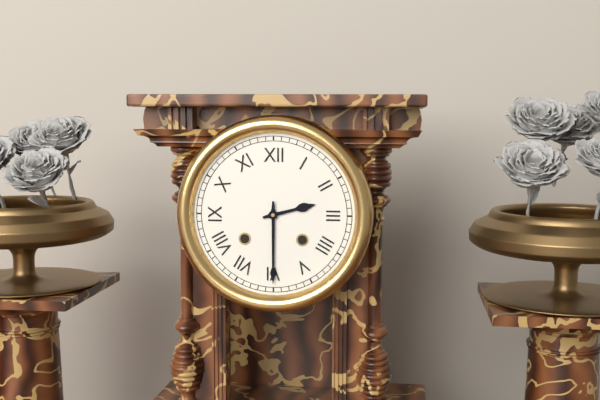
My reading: 2:30
